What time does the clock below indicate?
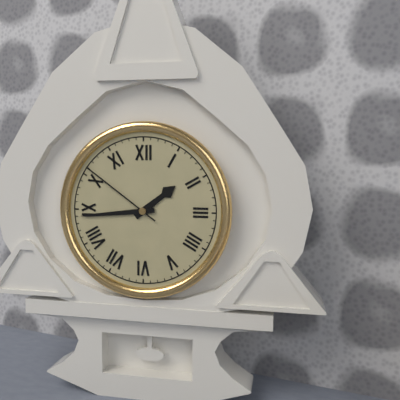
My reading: 1:44:51
